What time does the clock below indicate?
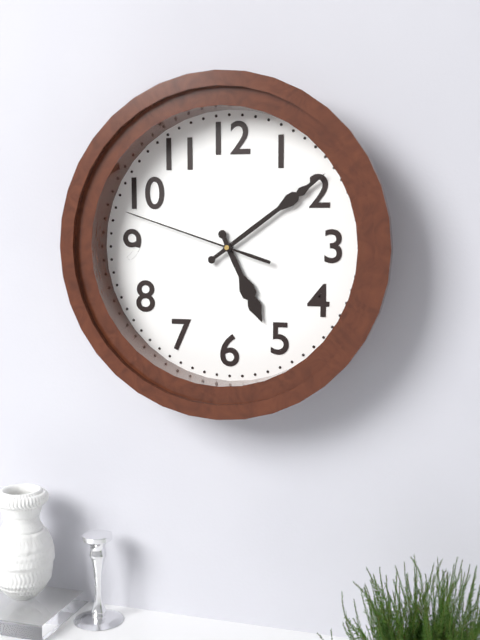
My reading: 5:09:48
